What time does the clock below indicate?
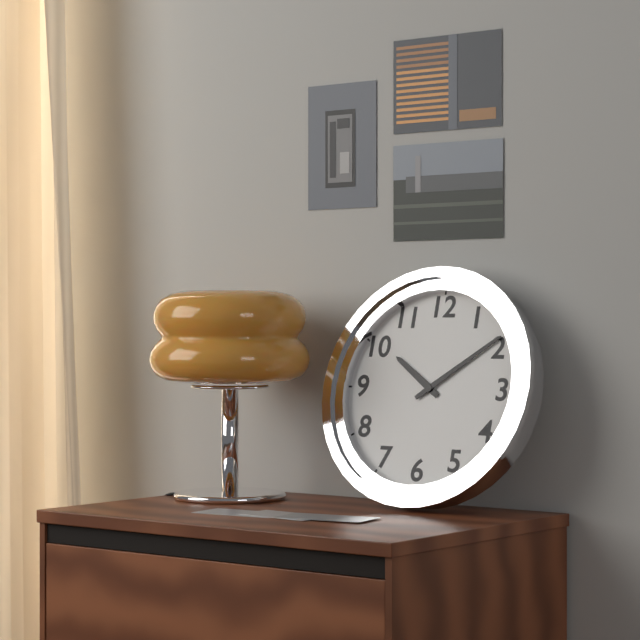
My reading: 10:09
